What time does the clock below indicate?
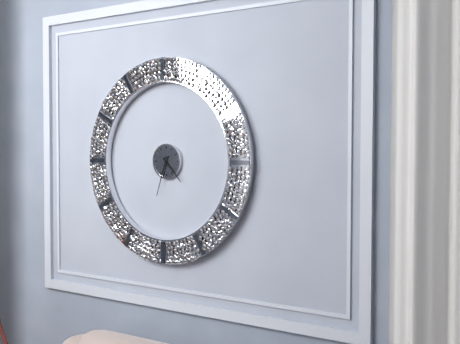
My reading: 4:33
